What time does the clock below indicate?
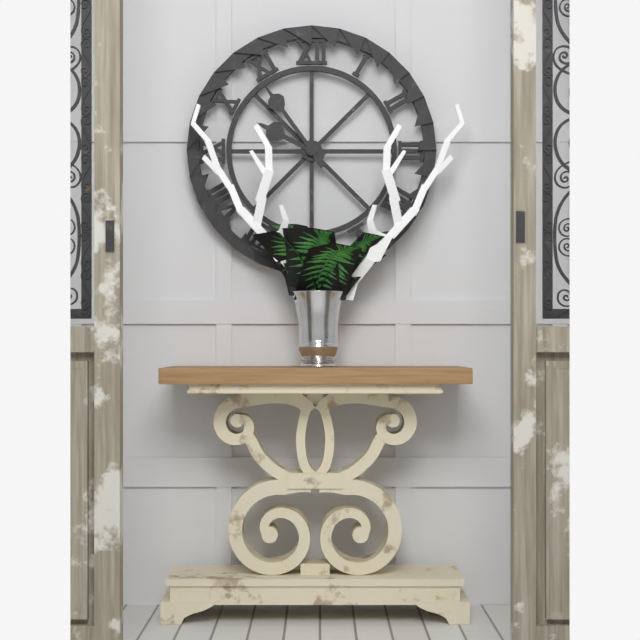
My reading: 9:54
